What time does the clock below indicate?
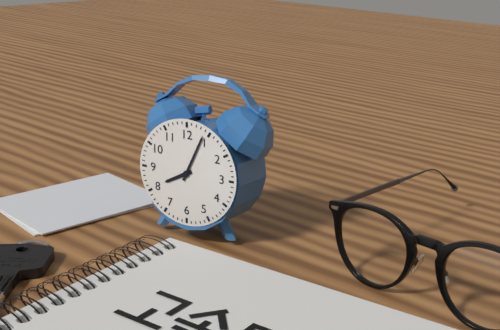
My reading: 8:04
